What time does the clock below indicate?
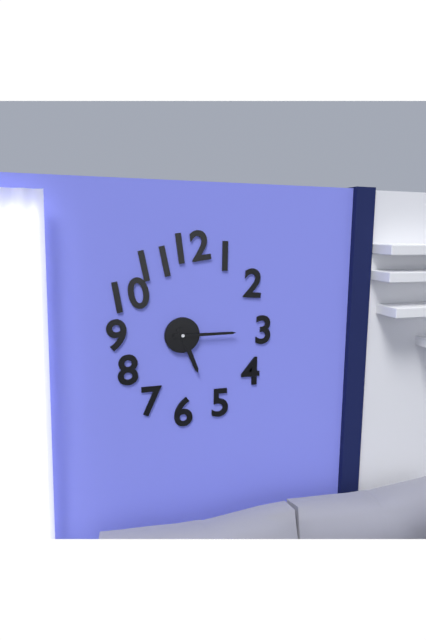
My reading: 5:15
